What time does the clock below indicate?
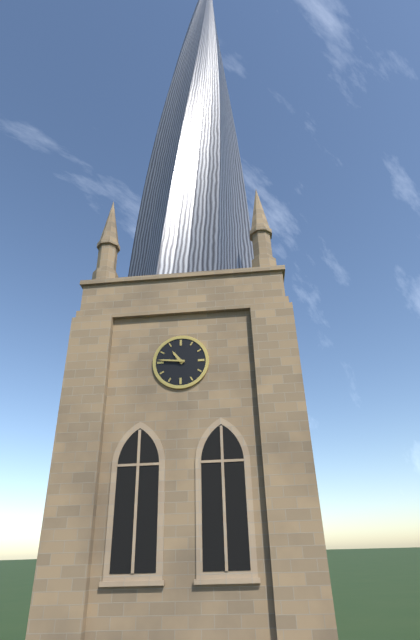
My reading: 10:46
